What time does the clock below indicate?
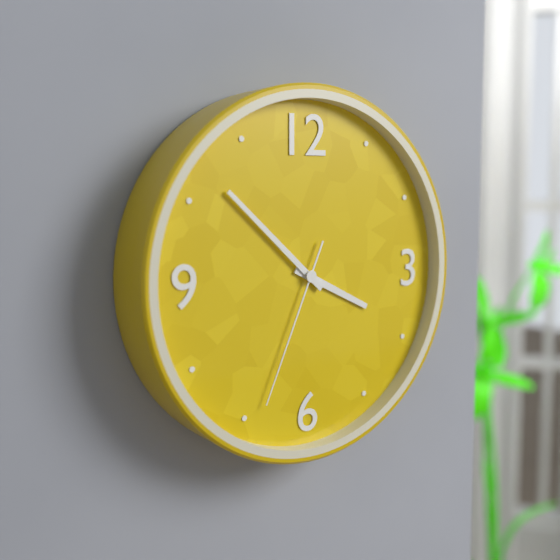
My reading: 3:52:34
